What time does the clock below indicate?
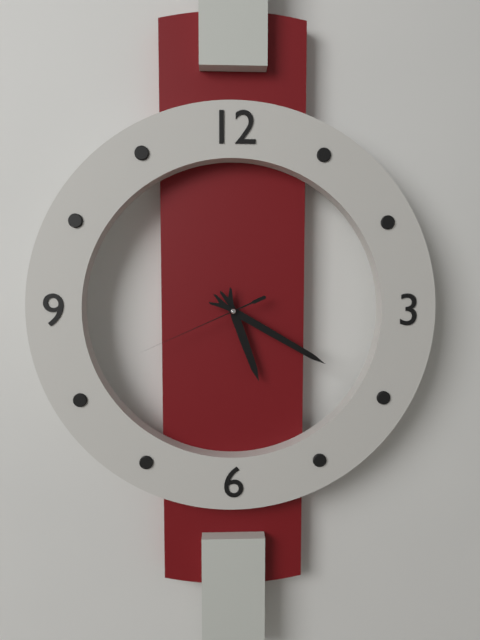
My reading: 5:20:41
